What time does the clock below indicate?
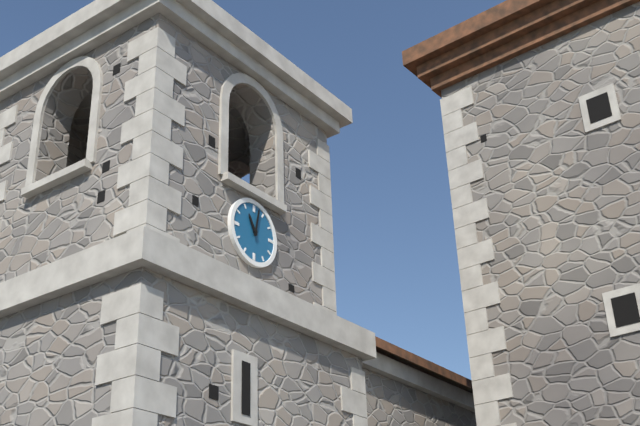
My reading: 11:02
